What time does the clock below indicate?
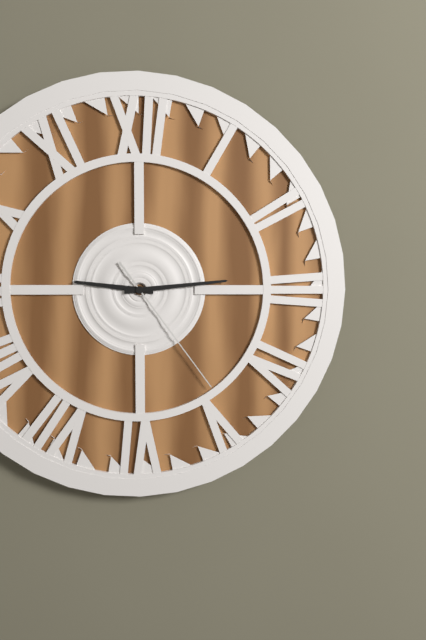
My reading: 9:14:24
